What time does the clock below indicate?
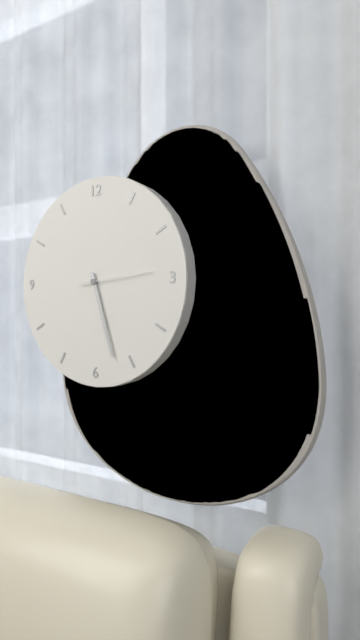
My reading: 5:27:14
